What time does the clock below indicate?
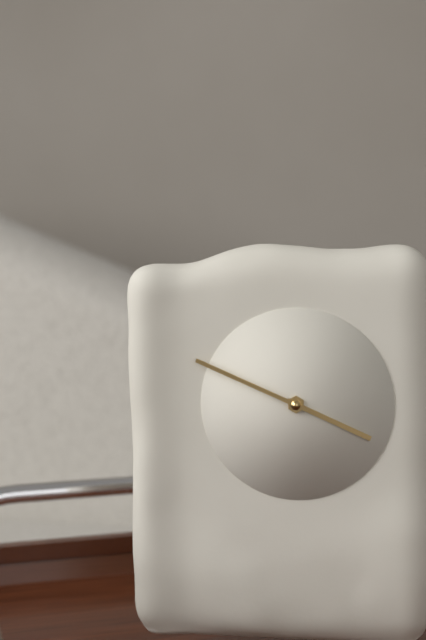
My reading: 3:49
